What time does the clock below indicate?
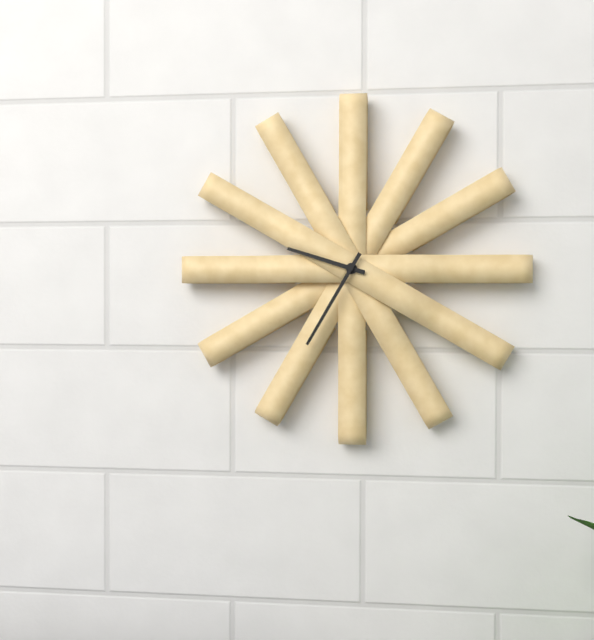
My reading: 9:35
